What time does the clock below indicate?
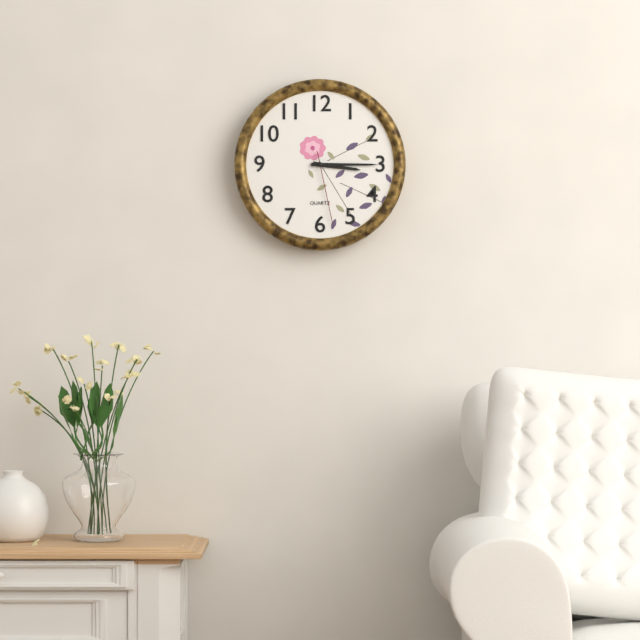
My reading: 3:15:28
